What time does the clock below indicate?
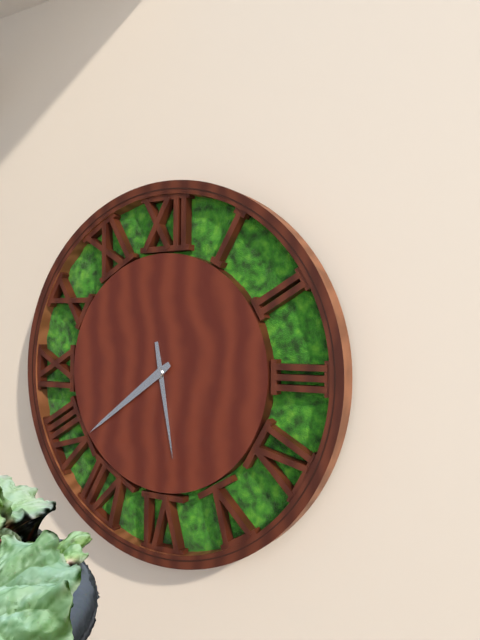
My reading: 5:39
